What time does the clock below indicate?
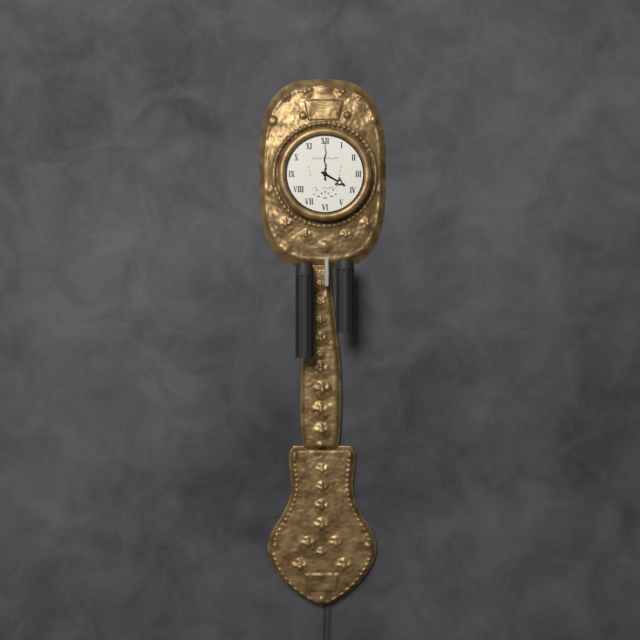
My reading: 4:00
